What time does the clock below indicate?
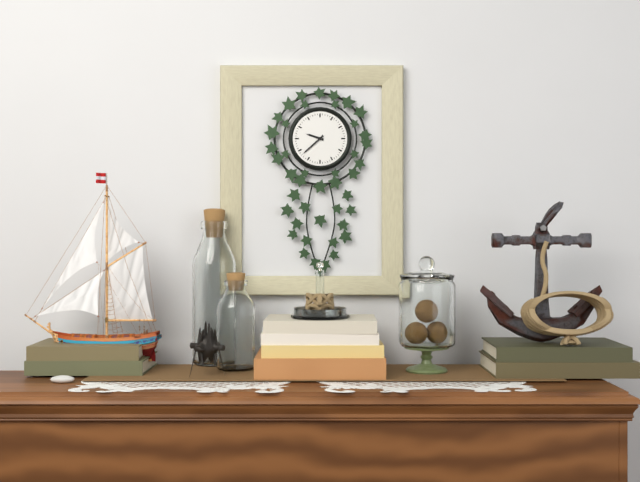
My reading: 9:38
